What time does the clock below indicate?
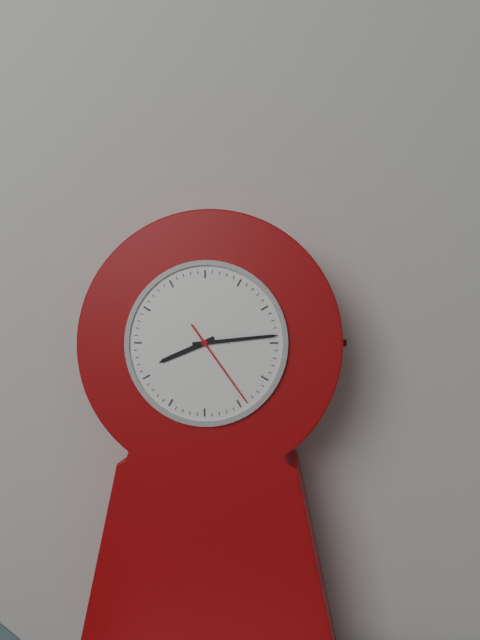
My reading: 8:14:24
